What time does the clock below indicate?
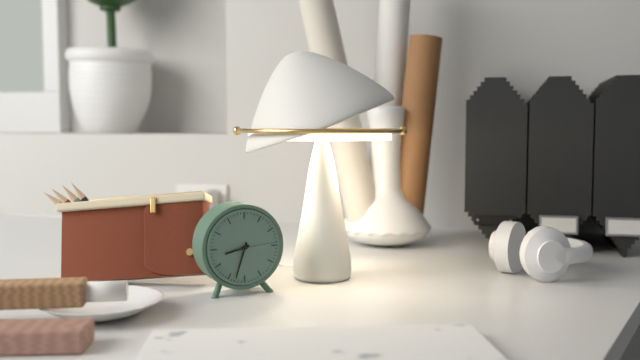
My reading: 8:33
